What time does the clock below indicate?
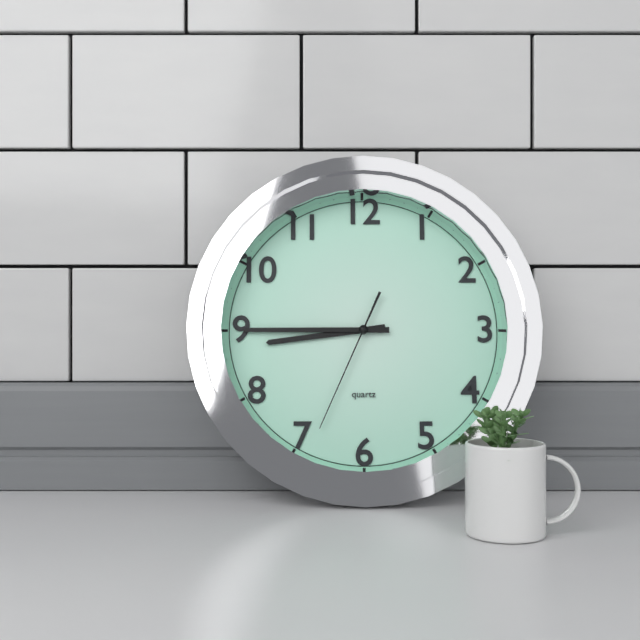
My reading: 8:45:34
